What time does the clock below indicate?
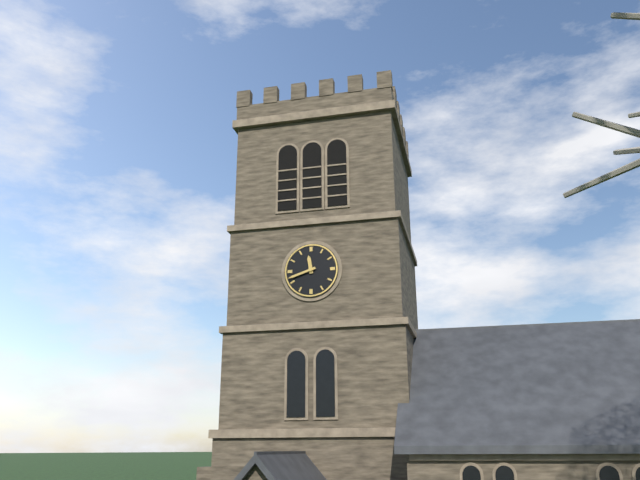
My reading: 11:42
